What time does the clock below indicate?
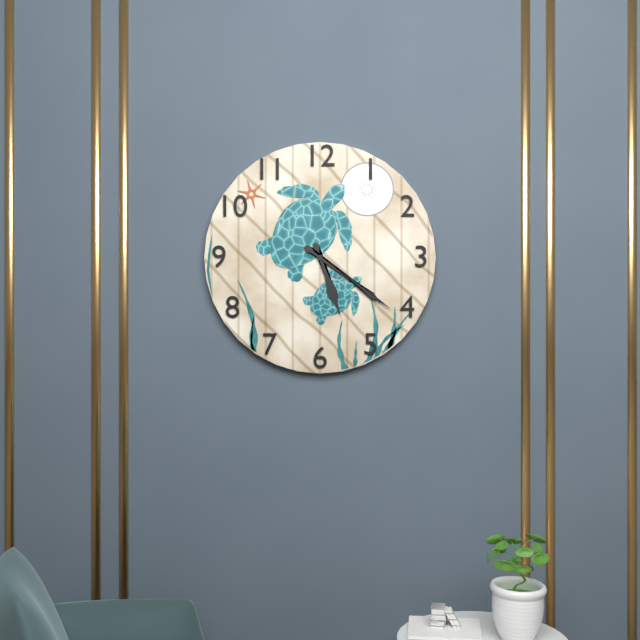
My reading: 5:21
